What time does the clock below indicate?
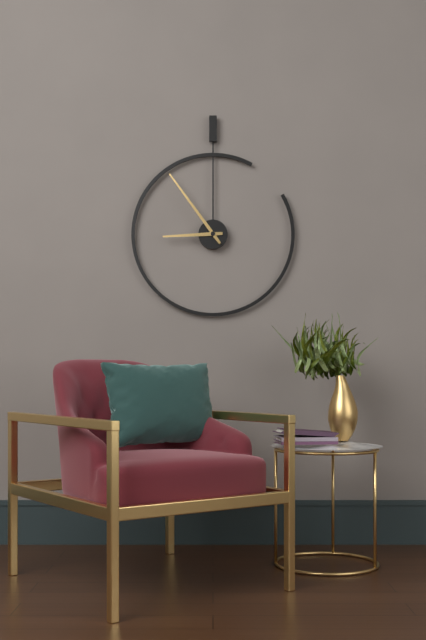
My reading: 8:54
